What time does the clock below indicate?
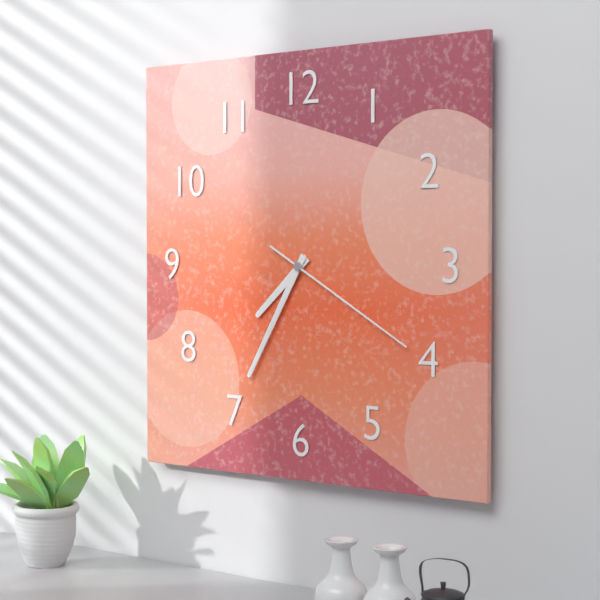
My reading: 7:35:20
